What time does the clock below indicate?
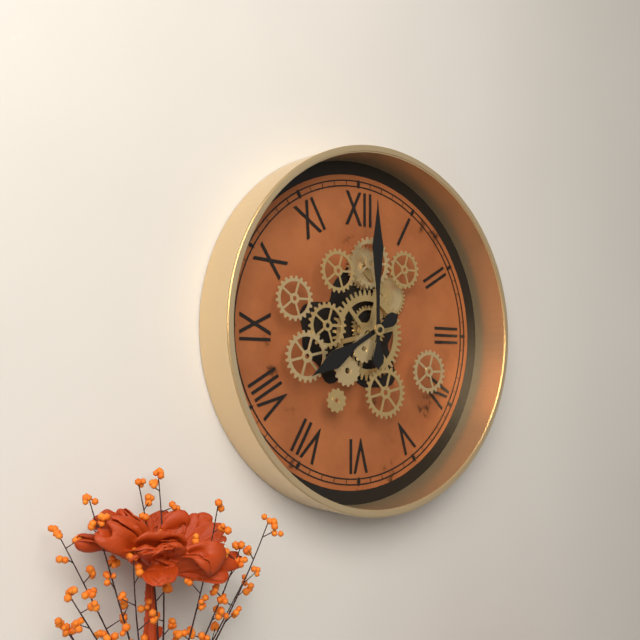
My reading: 8:00
